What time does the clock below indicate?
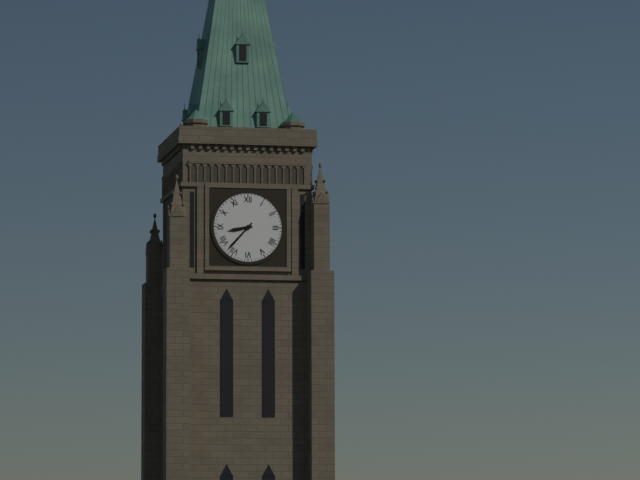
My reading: 8:37
